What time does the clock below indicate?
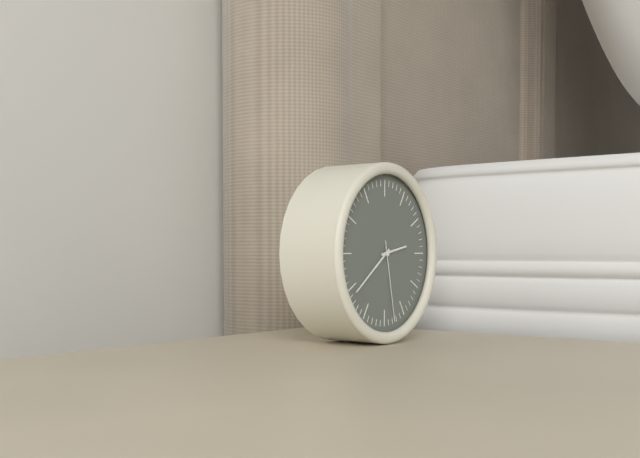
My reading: 2:39:28
